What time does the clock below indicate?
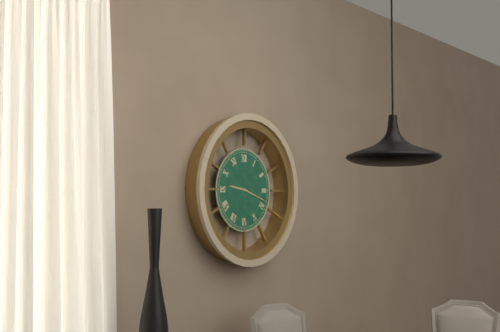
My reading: 9:18
